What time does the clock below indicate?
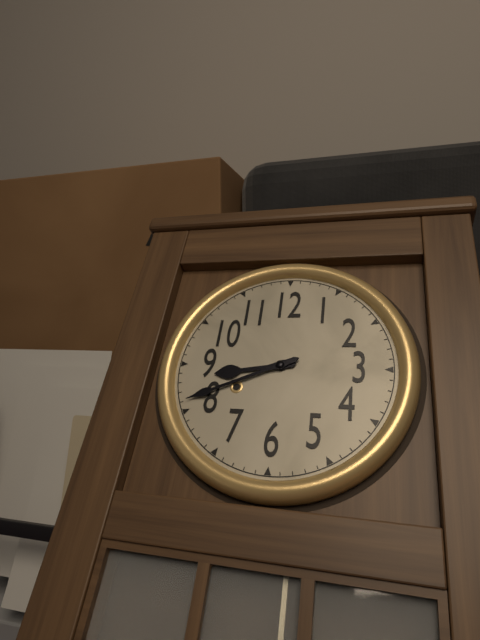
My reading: 8:41
